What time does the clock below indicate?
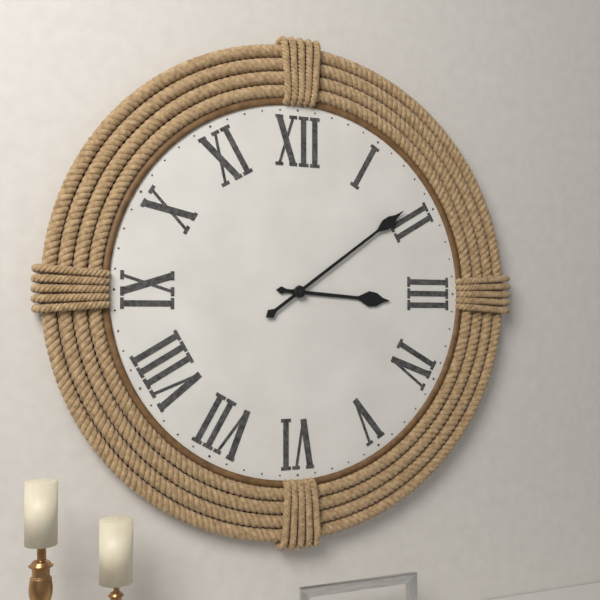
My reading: 3:09
